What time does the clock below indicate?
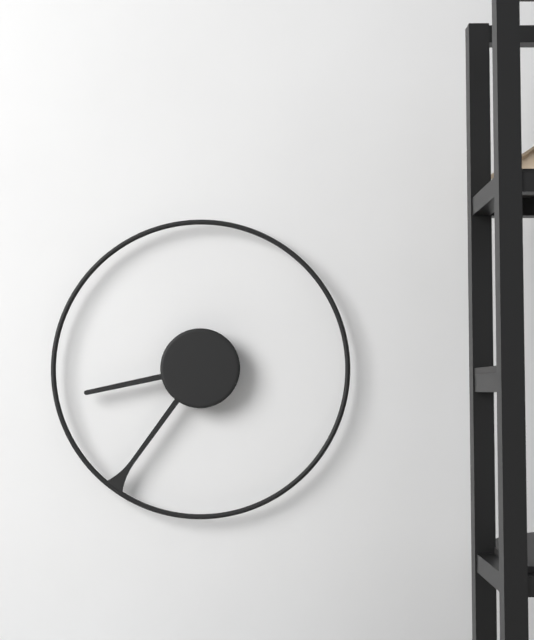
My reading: 8:36
